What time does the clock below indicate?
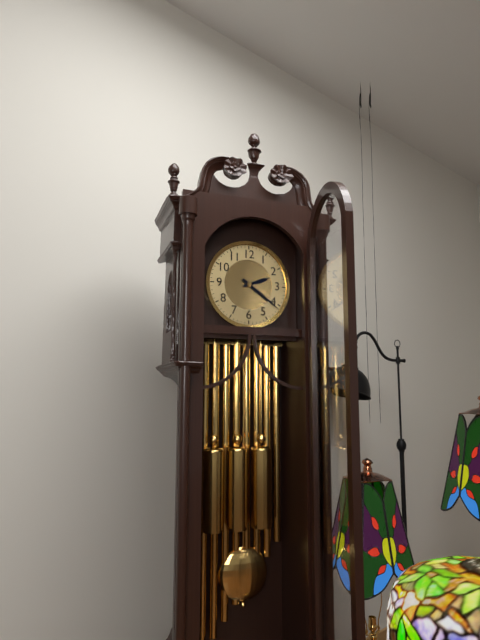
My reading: 2:21
